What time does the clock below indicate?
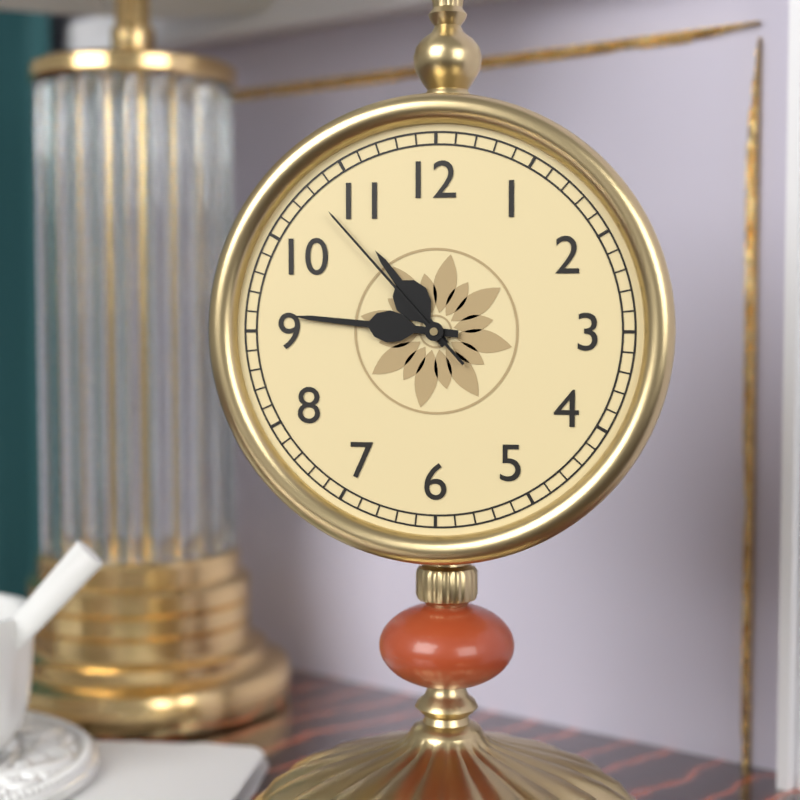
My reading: 10:46:53
